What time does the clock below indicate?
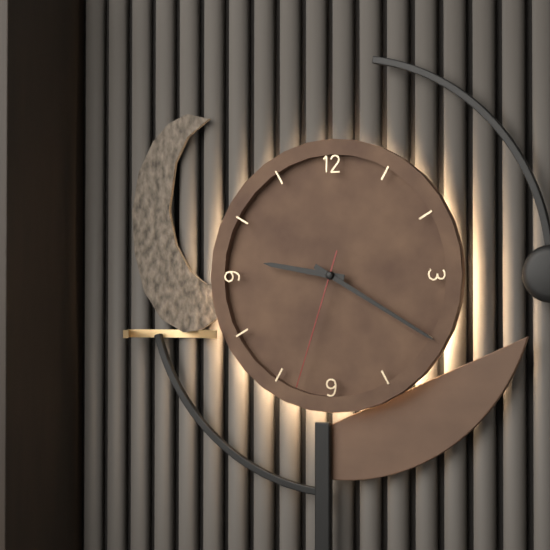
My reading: 9:20:33
